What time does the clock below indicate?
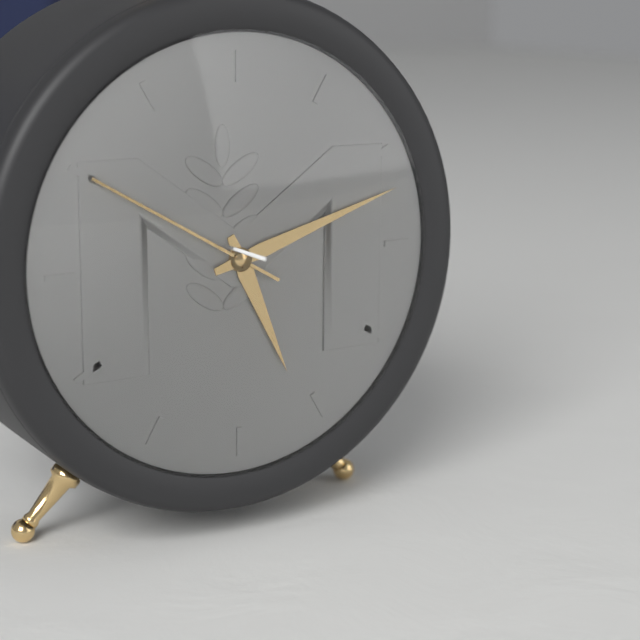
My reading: 5:12:50
